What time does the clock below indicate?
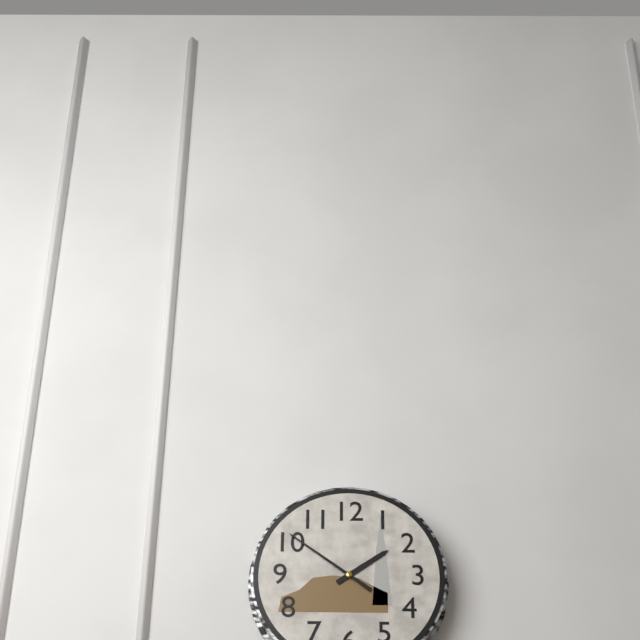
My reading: 1:51
